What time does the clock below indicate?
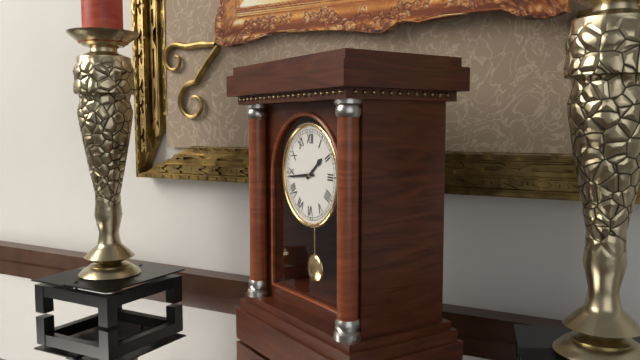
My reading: 1:44
